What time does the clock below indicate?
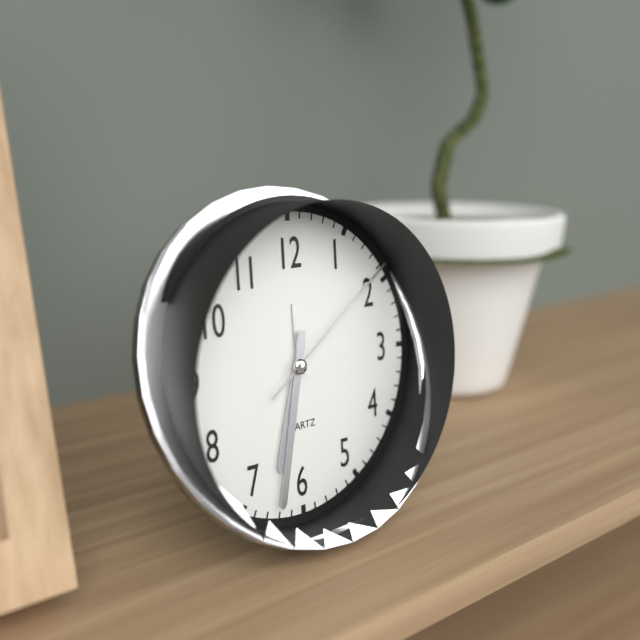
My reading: 6:32:09
